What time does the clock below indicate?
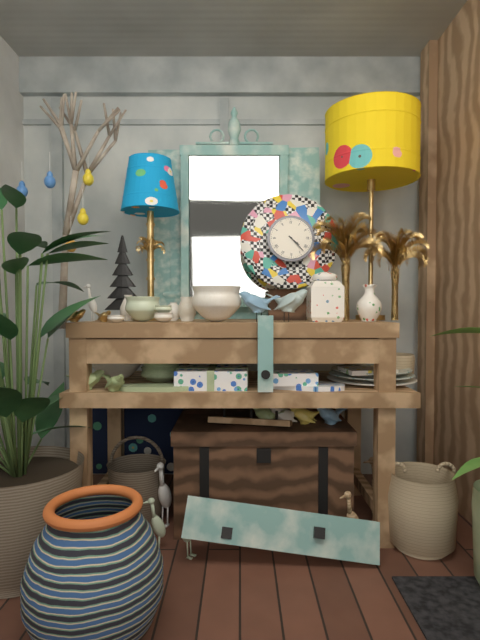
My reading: 4:23
